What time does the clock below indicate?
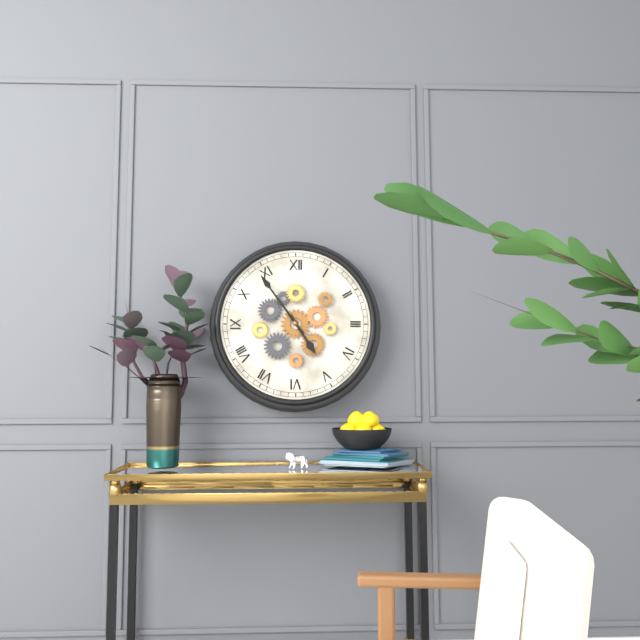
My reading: 4:54
